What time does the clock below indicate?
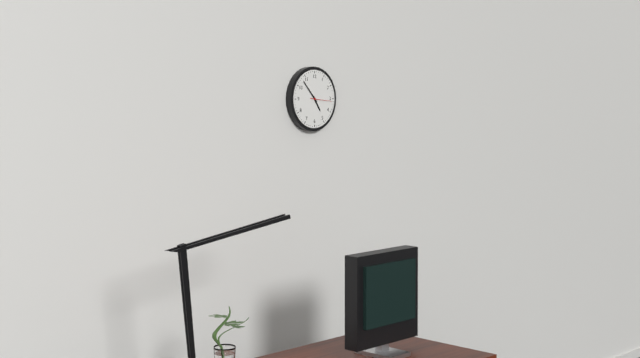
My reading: 4:53
